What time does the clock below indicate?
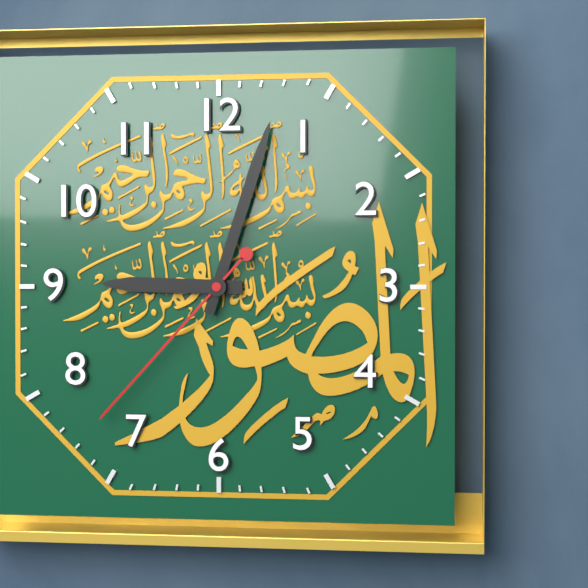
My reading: 9:03:37
